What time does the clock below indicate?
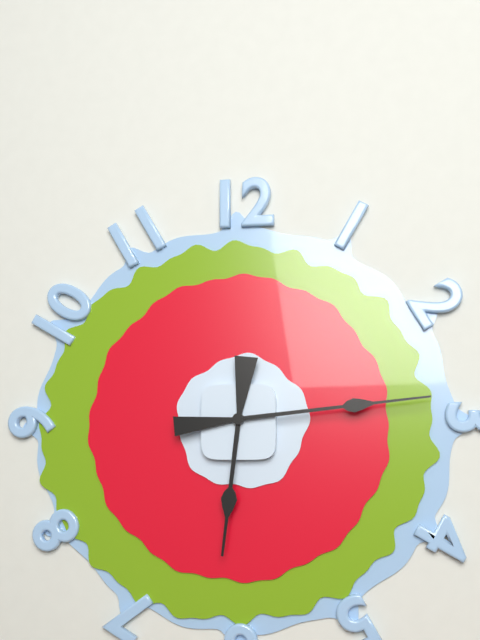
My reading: 6:14
